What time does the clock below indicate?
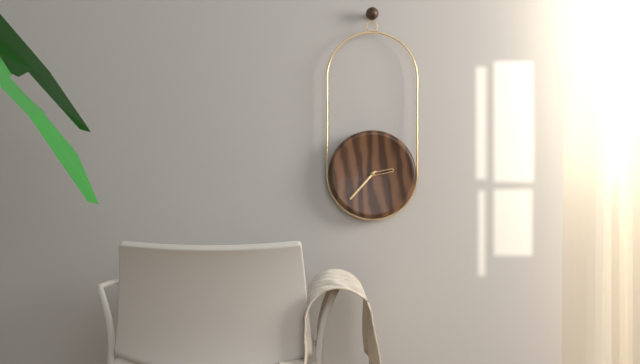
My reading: 2:37
